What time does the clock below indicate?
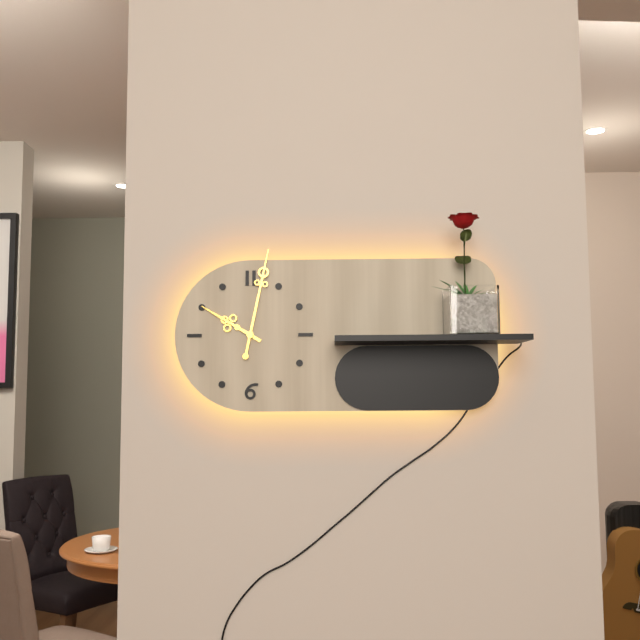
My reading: 10:02
